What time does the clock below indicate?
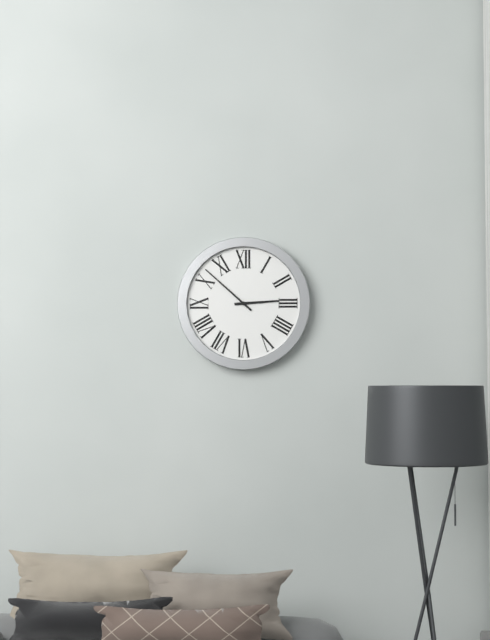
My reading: 2:52
